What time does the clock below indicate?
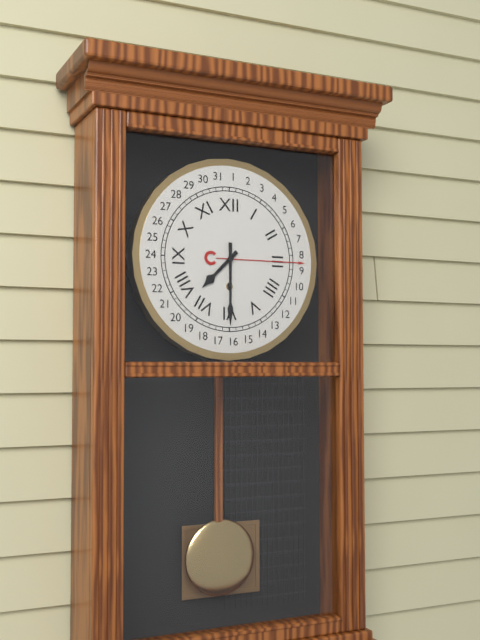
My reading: 7:30
